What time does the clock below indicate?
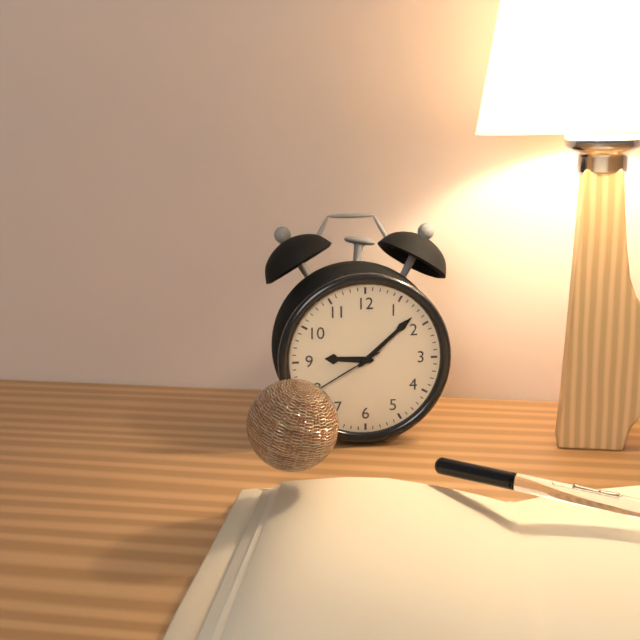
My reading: 9:08:40
